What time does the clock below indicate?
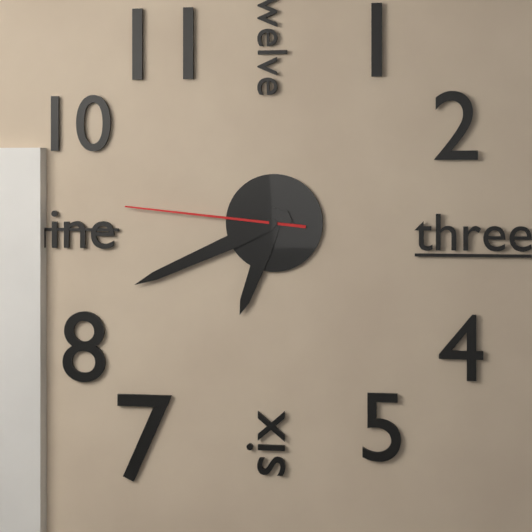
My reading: 6:41:46
